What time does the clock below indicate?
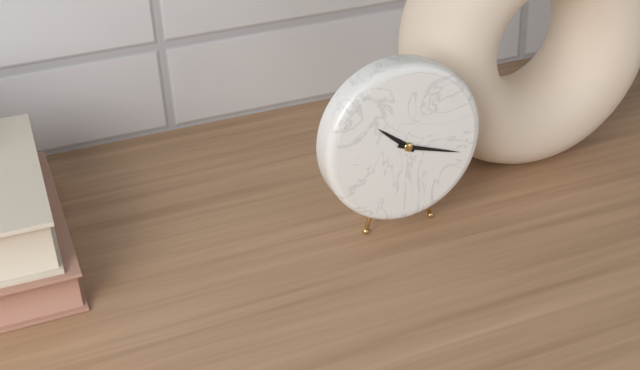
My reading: 10:18
